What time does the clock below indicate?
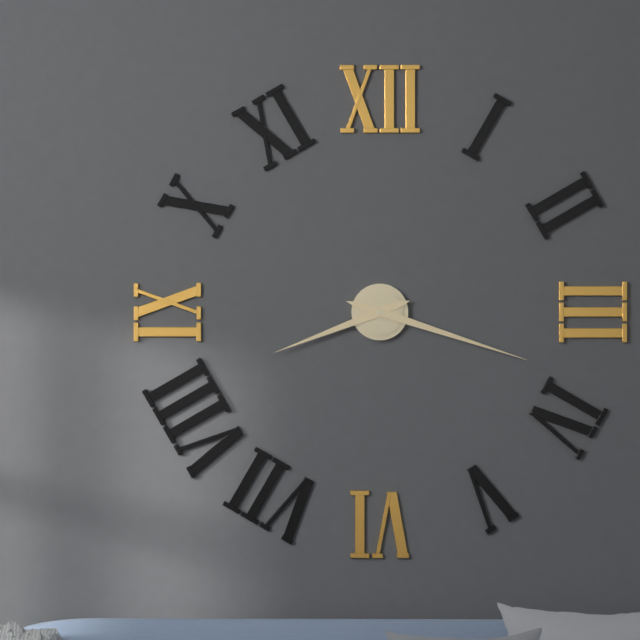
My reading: 8:18
